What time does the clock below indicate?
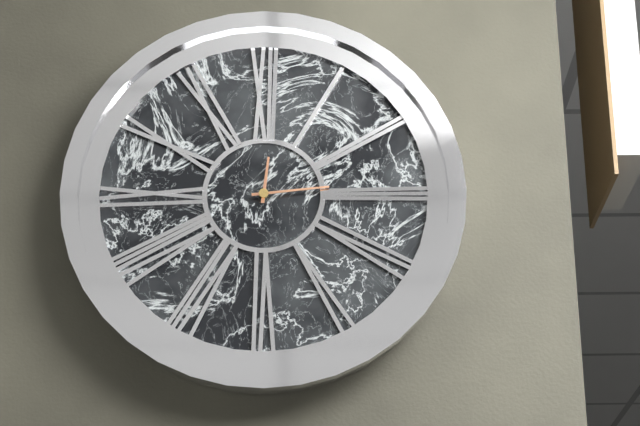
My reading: 12:14
